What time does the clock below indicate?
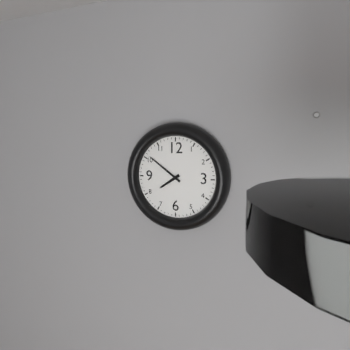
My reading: 7:51
